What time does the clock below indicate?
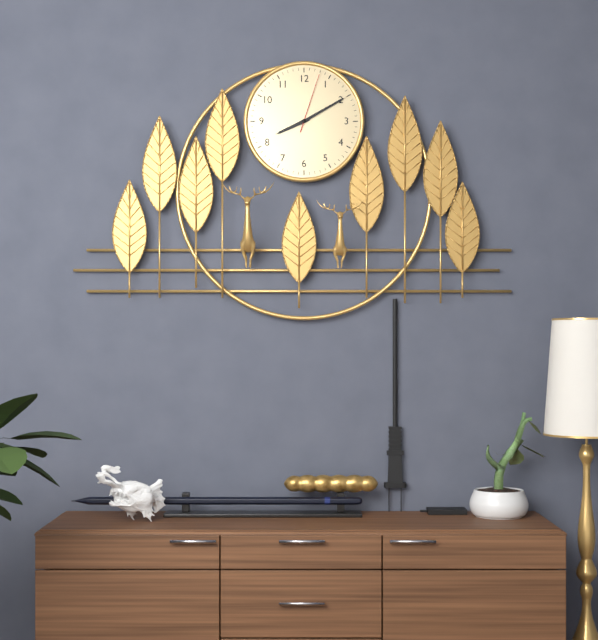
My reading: 8:10:03
